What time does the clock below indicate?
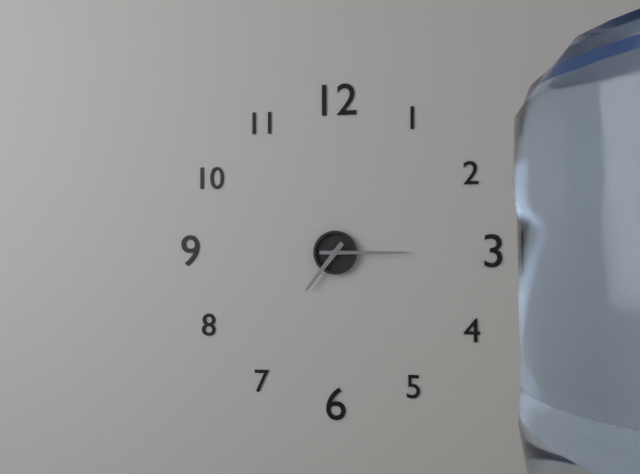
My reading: 7:15
